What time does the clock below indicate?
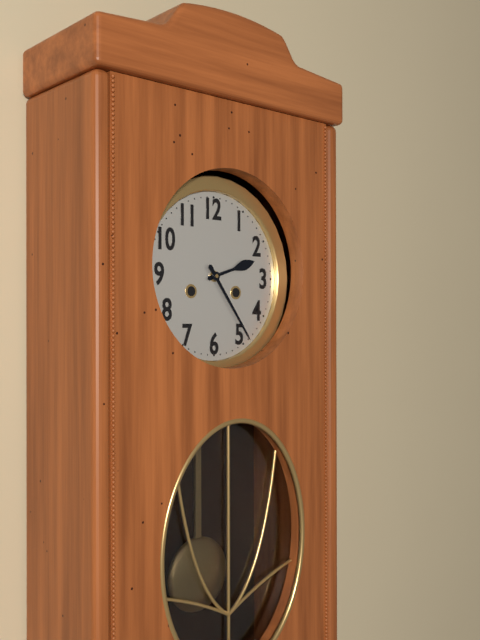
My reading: 2:24
